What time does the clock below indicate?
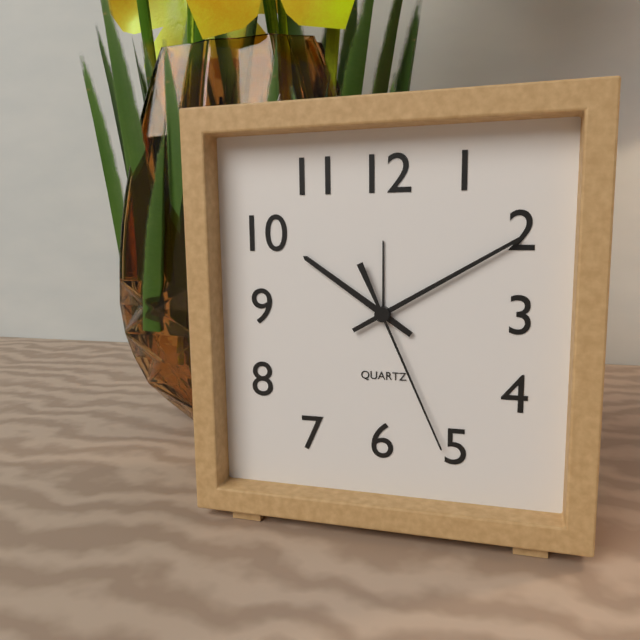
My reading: 10:10:26
